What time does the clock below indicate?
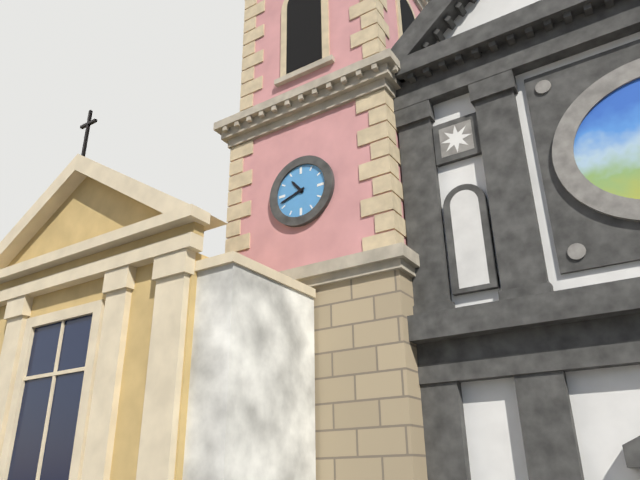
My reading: 10:42
